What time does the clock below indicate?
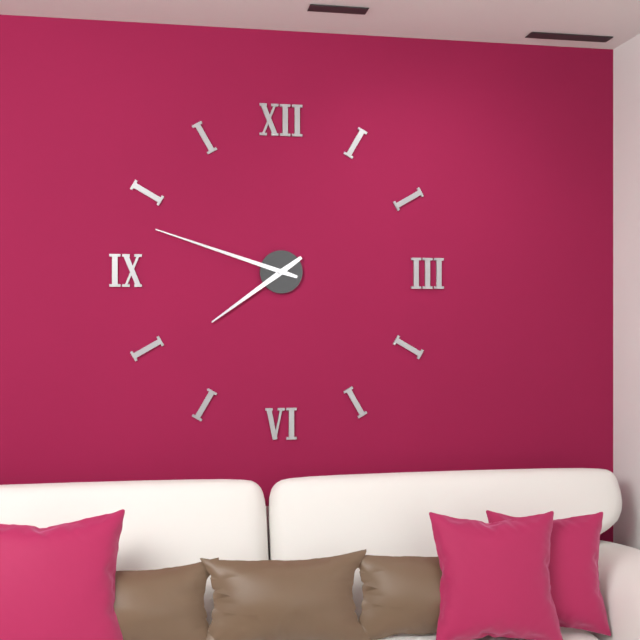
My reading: 7:48
